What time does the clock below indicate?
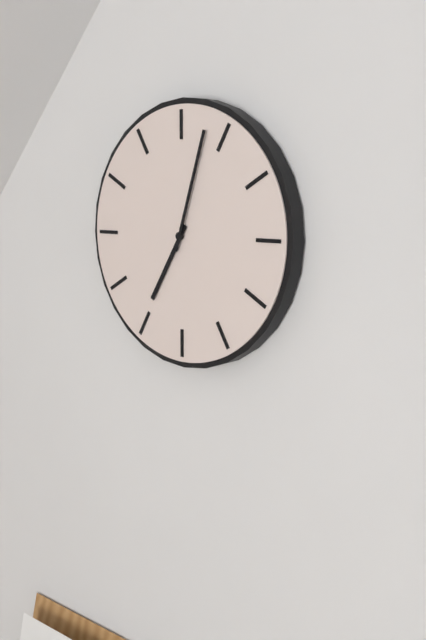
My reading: 7:03
